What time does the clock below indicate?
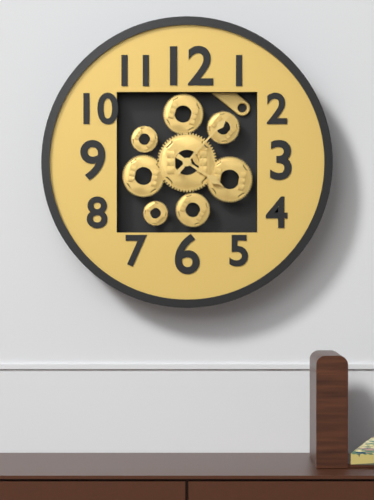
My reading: 4:07
